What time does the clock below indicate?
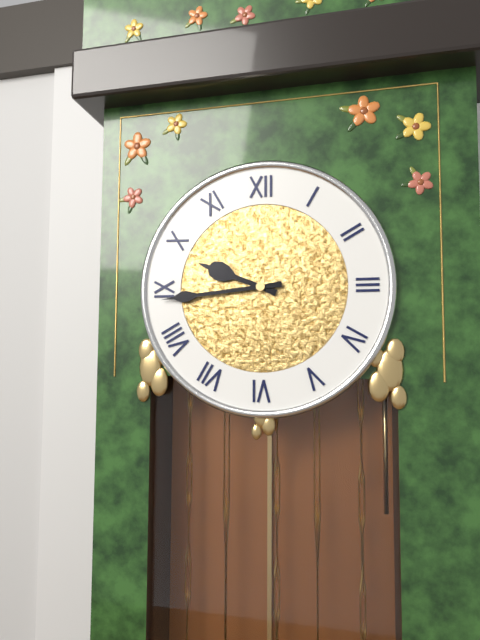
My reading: 9:44
